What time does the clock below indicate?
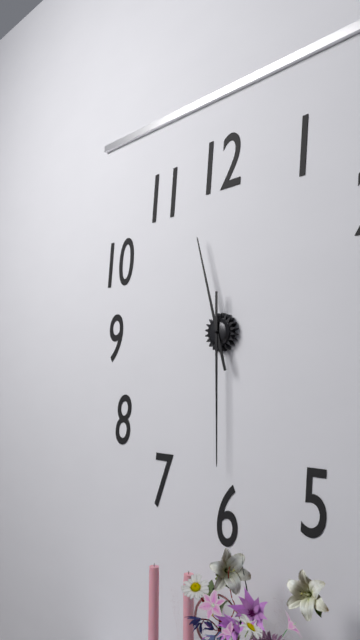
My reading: 11:30
